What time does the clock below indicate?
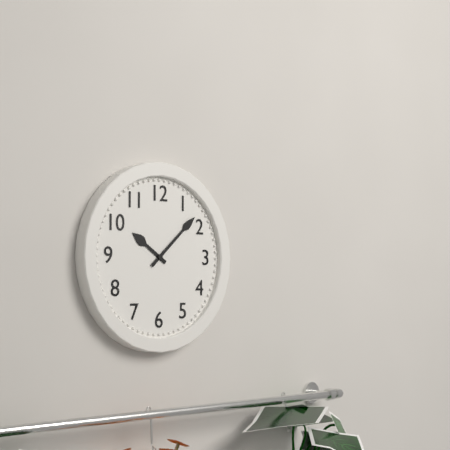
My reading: 10:08
